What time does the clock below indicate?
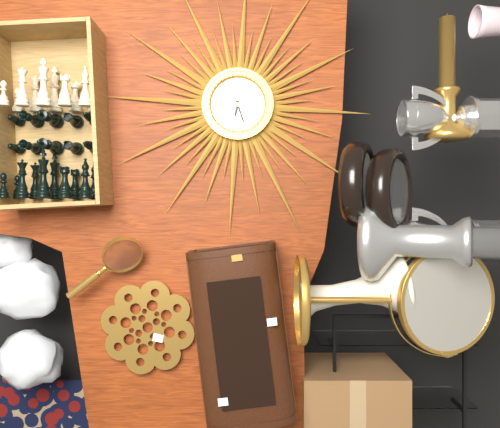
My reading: 6:27
